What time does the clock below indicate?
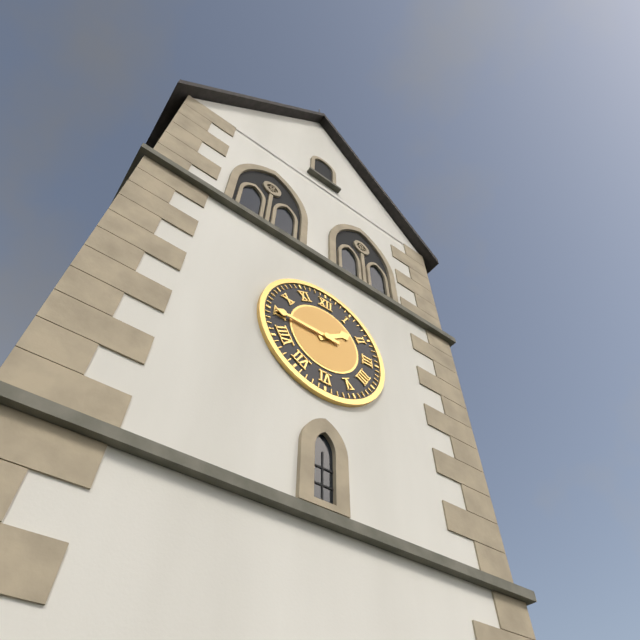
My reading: 1:45
